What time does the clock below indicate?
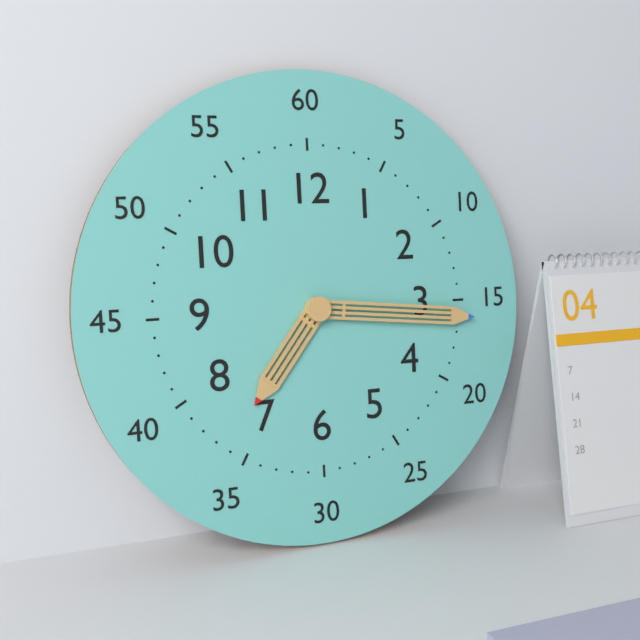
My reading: 7:16
